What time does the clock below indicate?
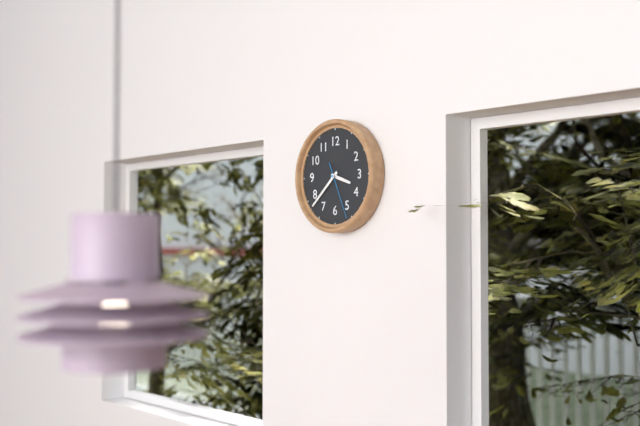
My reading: 3:38:26
